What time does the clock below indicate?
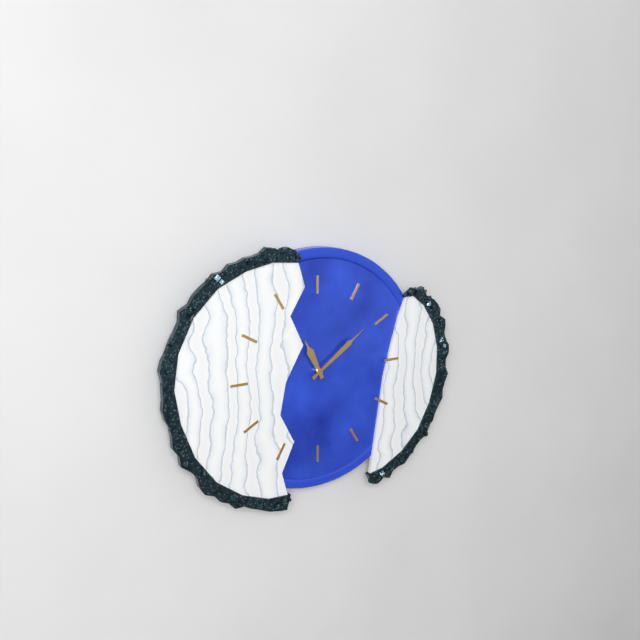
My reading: 11:09
